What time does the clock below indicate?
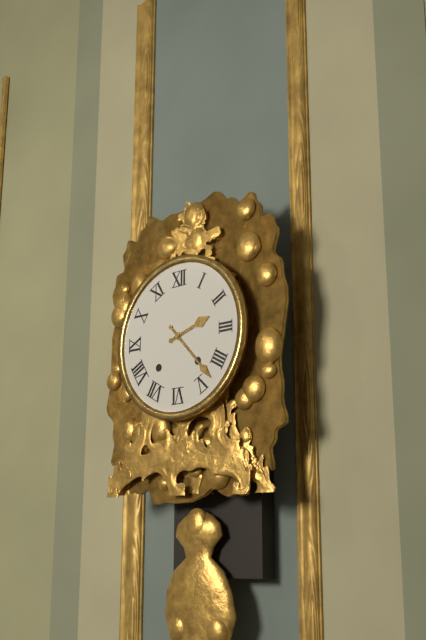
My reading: 2:23
